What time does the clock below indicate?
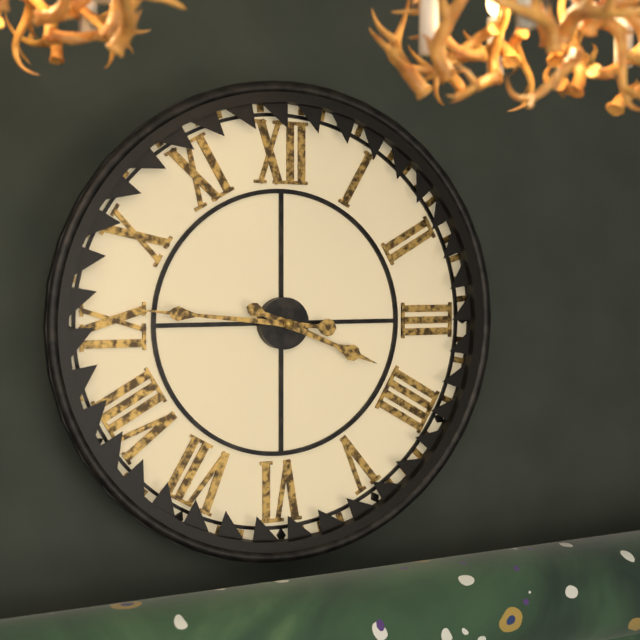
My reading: 3:46
